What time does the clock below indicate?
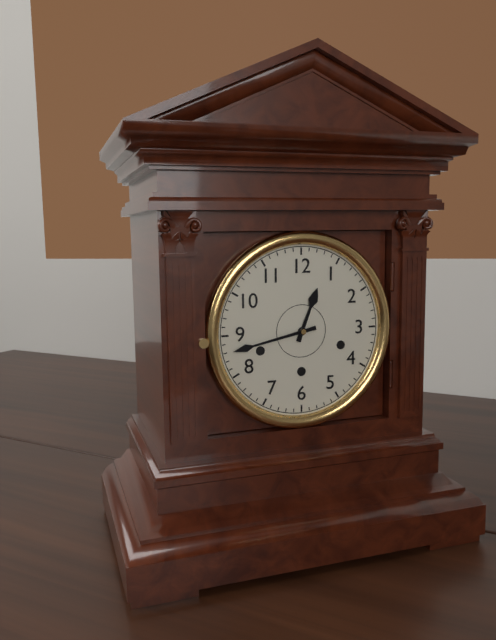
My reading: 12:43
